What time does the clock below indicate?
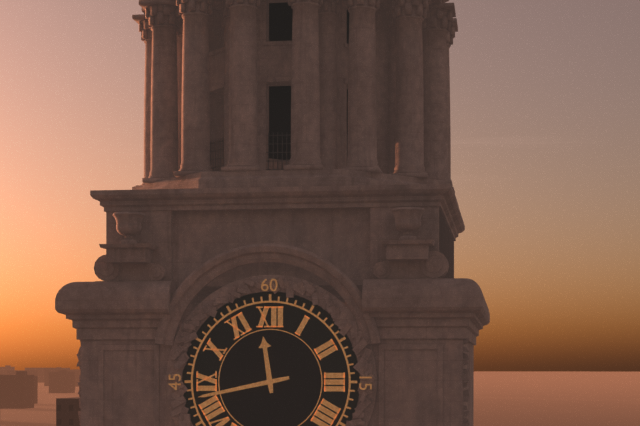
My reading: 11:43
